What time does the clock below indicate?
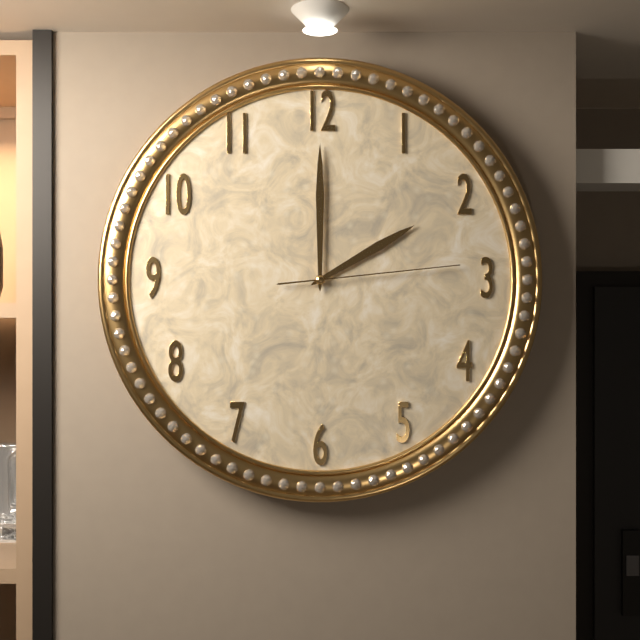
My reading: 2:00:14
